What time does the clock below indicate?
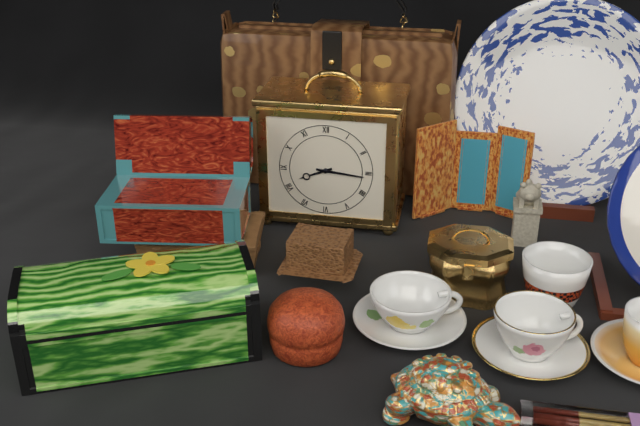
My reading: 8:16
